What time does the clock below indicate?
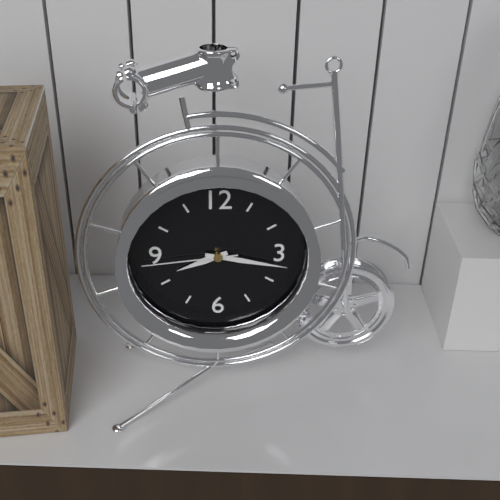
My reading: 8:17:44
